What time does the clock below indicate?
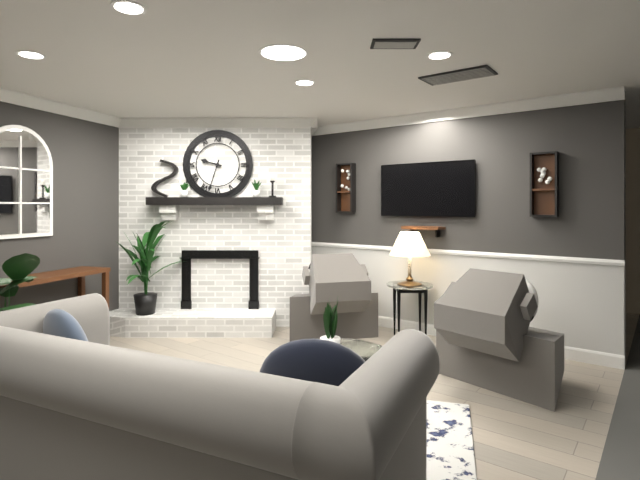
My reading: 9:33
